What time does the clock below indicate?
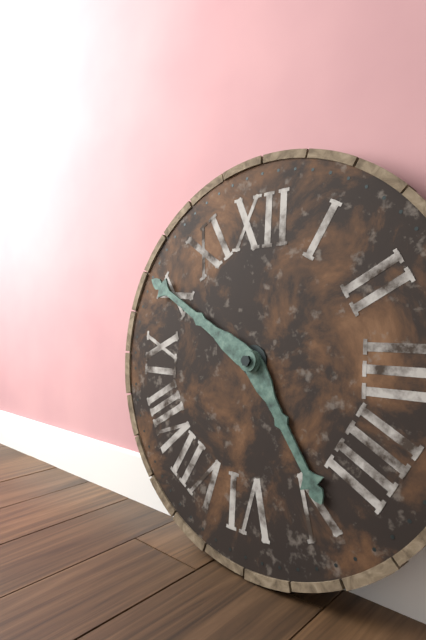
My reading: 4:50
